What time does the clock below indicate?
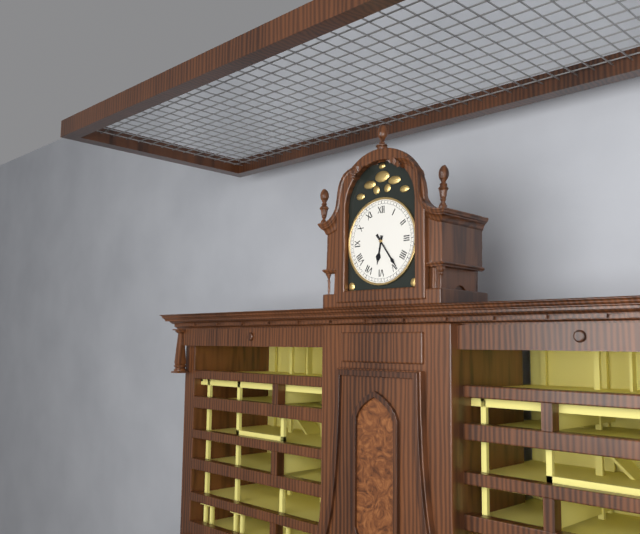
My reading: 6:24
